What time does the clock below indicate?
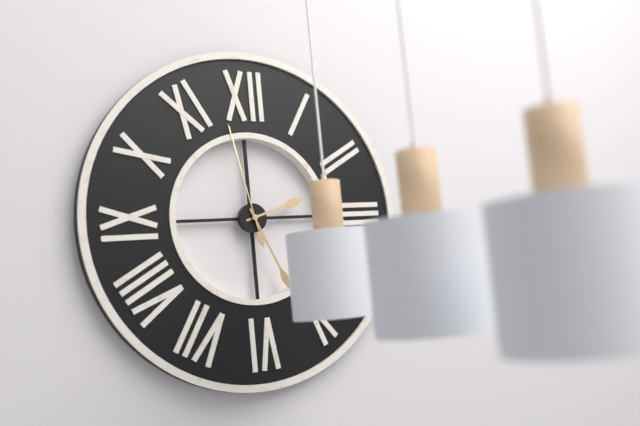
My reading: 2:26:58
